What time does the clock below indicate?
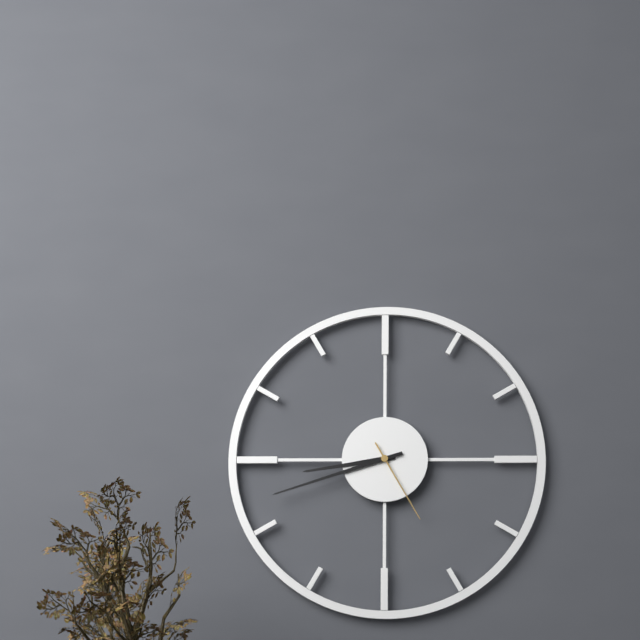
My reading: 8:42:25
